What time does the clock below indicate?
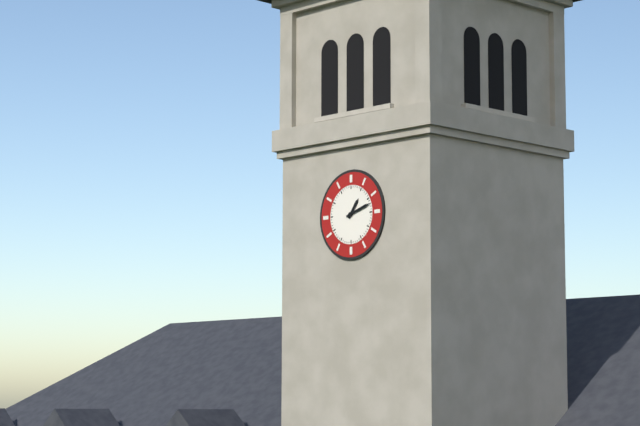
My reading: 1:12
